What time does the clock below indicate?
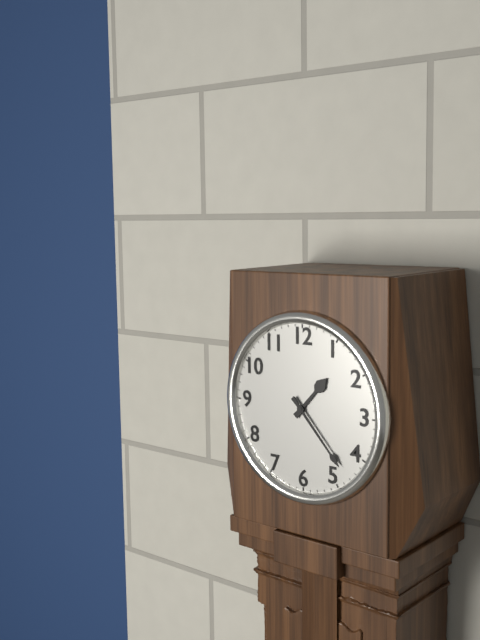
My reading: 1:23
